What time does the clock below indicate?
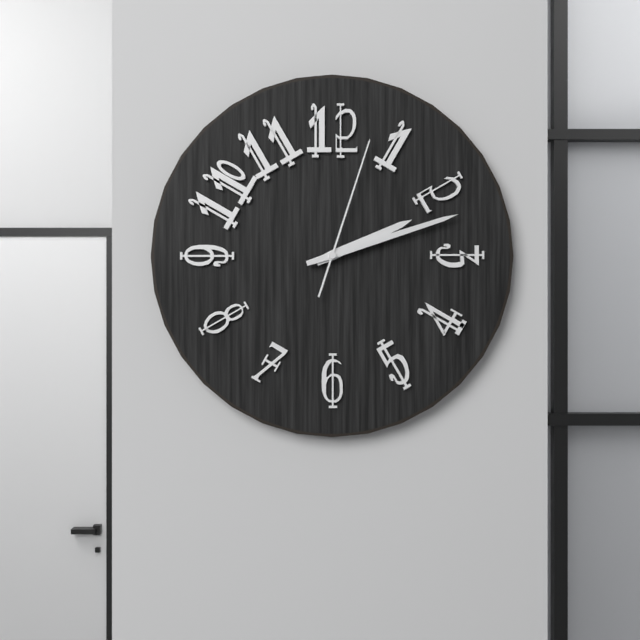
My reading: 2:12:03
